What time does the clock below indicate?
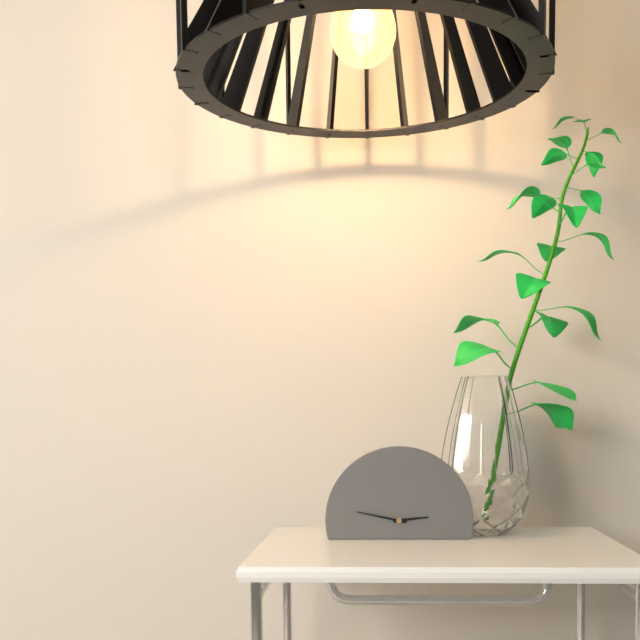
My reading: 2:47
